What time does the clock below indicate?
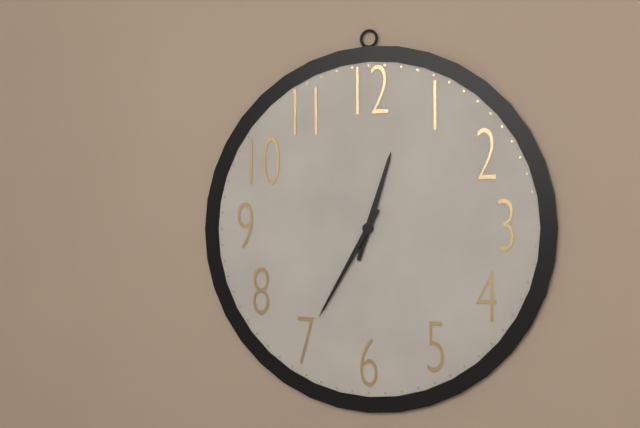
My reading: 12:35
